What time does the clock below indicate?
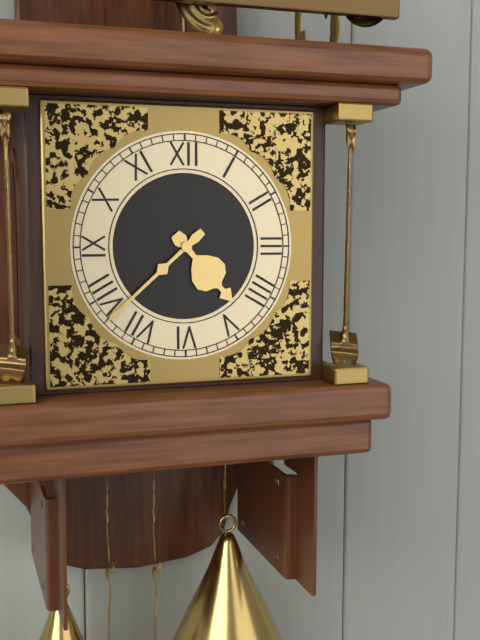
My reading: 4:38
